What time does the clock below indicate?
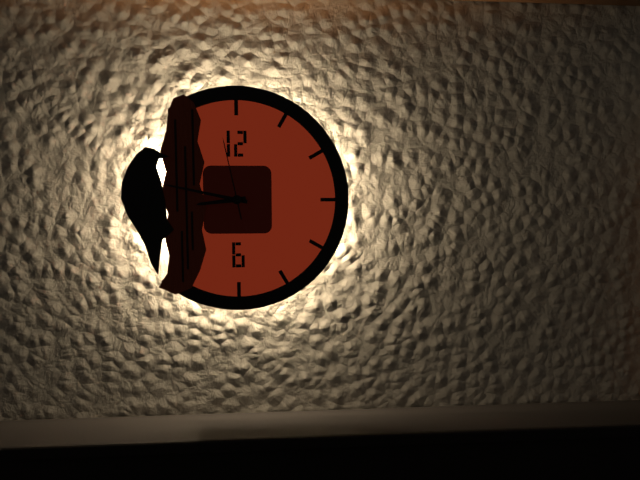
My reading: 8:47:58
